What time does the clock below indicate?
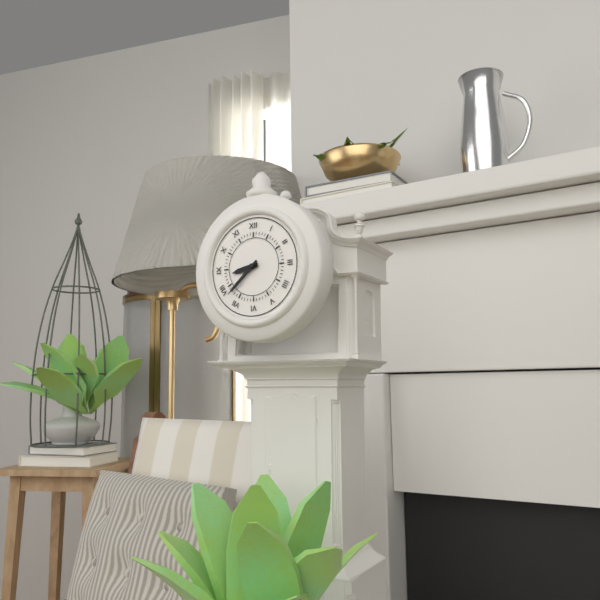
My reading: 8:38
